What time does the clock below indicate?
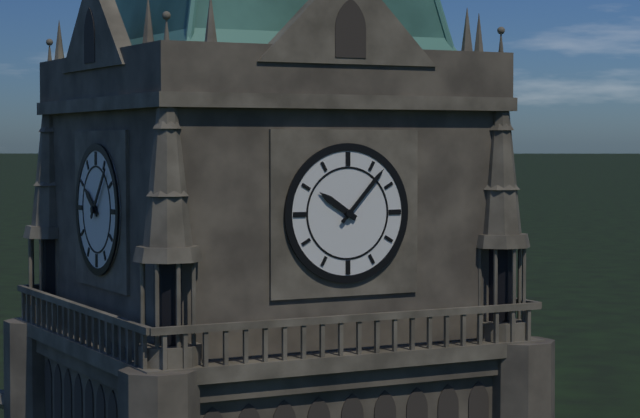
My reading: 10:07
